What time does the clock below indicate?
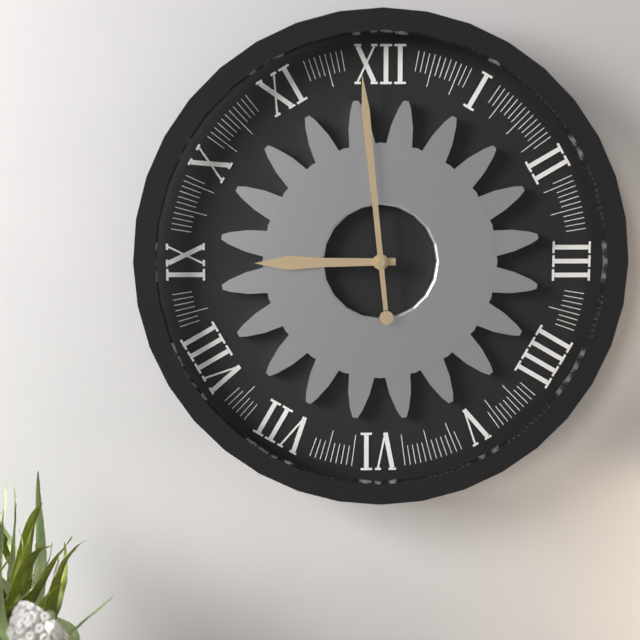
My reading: 8:59
